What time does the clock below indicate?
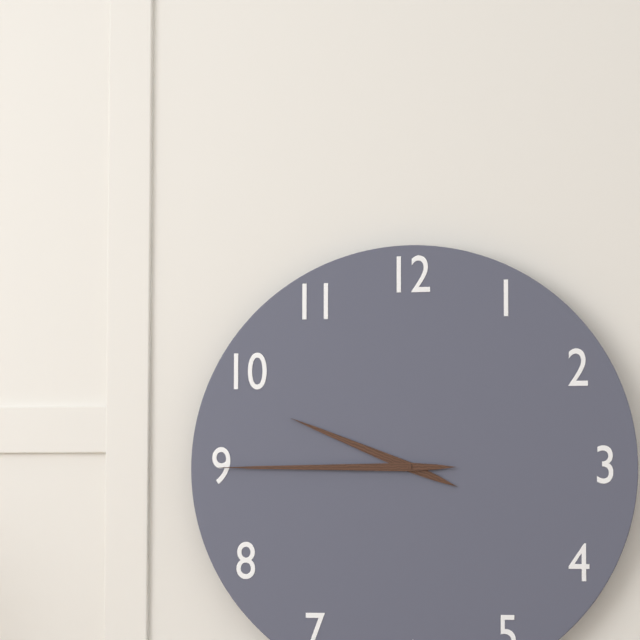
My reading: 9:45
